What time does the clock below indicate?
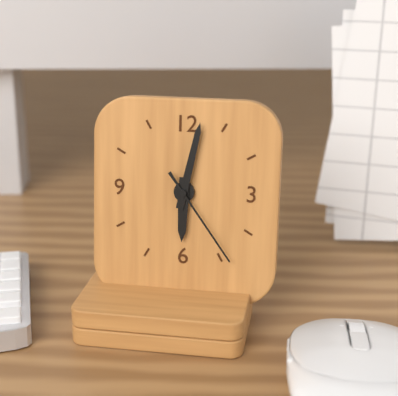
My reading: 6:02:24
